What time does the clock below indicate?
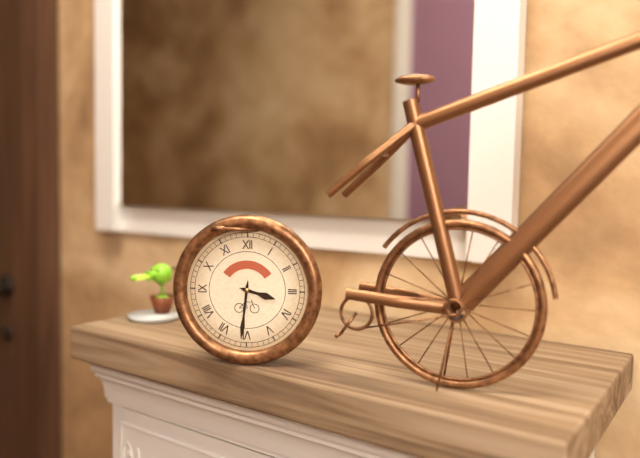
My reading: 3:31
